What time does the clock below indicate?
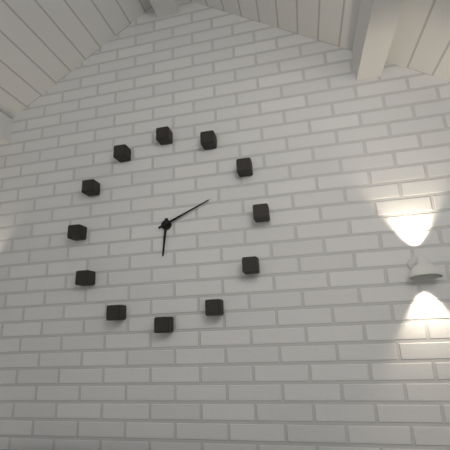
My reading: 6:11
